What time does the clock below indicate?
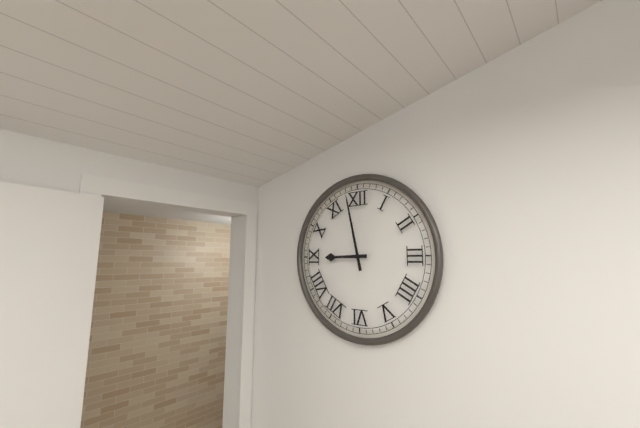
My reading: 8:58
